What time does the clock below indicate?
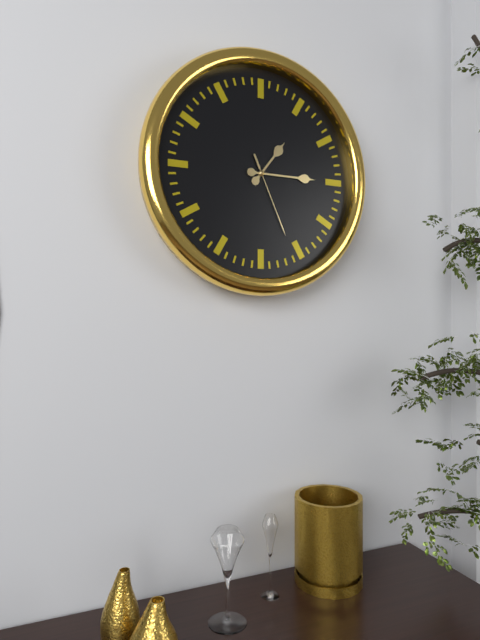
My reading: 1:15:26
